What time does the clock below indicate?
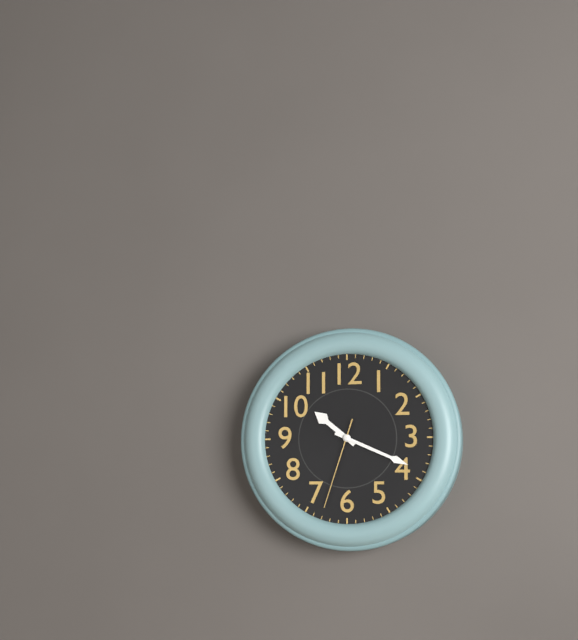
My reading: 10:19:33
